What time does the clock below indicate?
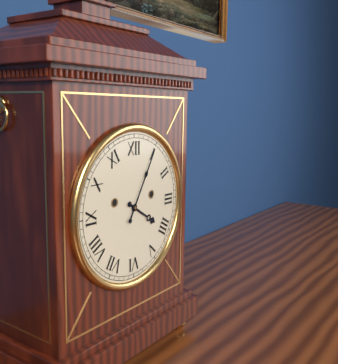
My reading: 4:05
